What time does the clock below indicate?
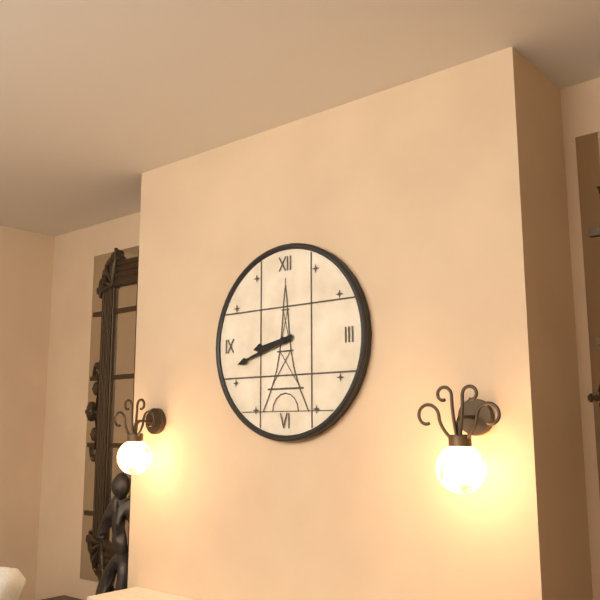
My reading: 8:42
